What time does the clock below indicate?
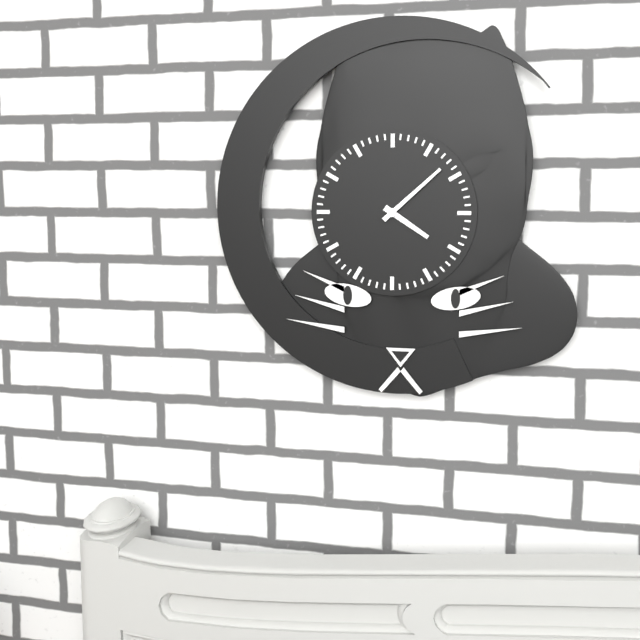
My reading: 4:08
